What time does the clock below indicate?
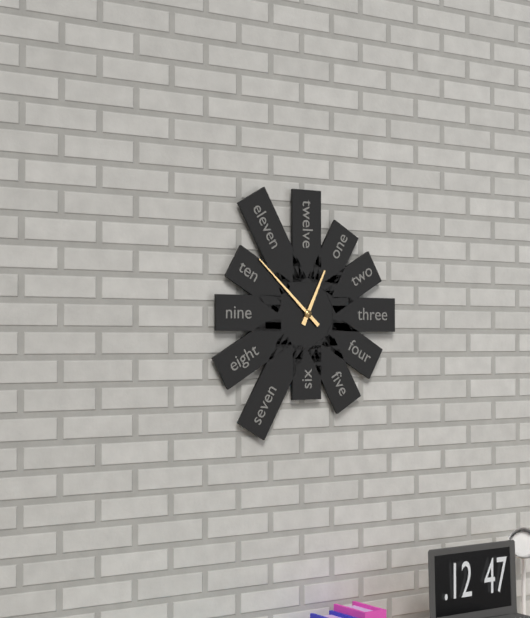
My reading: 12:52
